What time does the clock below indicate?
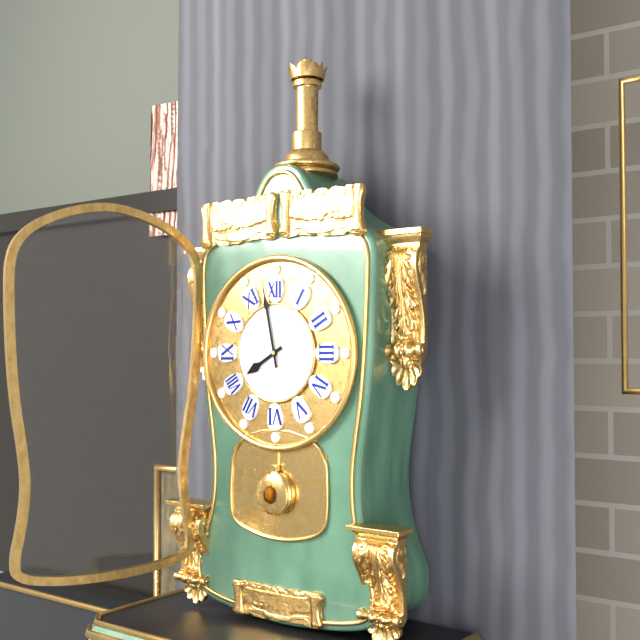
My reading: 7:58
